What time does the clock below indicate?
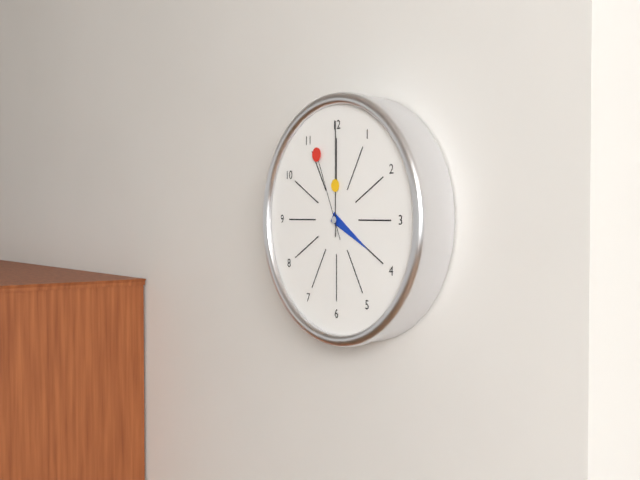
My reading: 4:00:56
